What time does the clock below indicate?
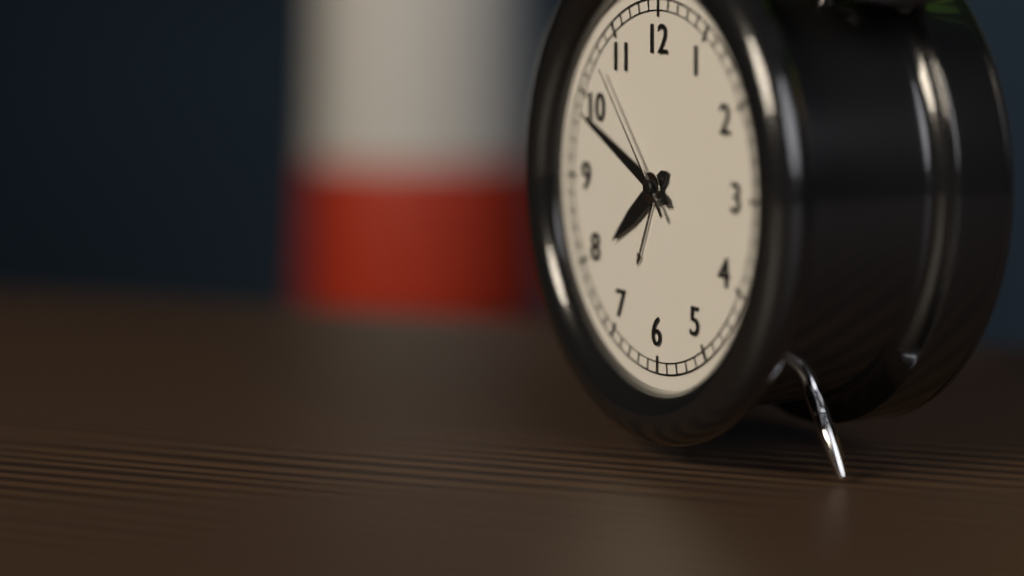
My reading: 7:49:53
